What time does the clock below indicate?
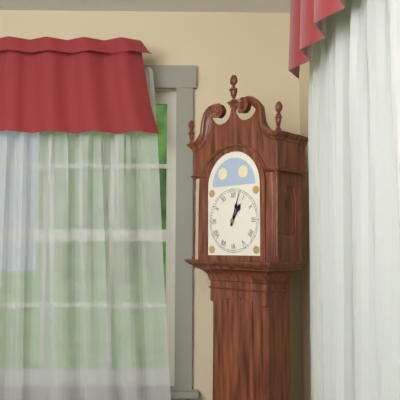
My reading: 1:03
